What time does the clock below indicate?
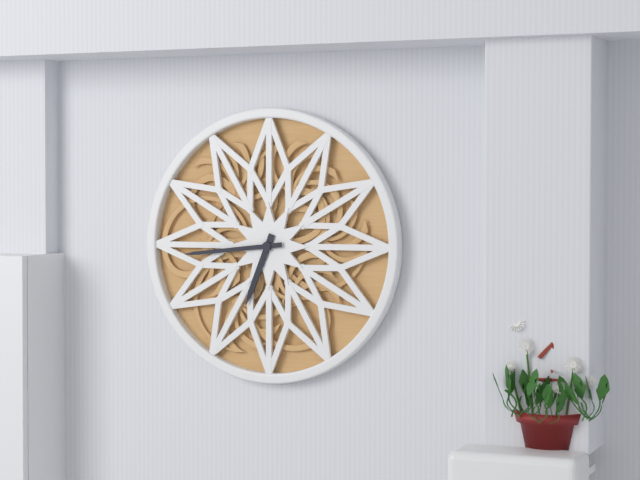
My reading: 6:44
